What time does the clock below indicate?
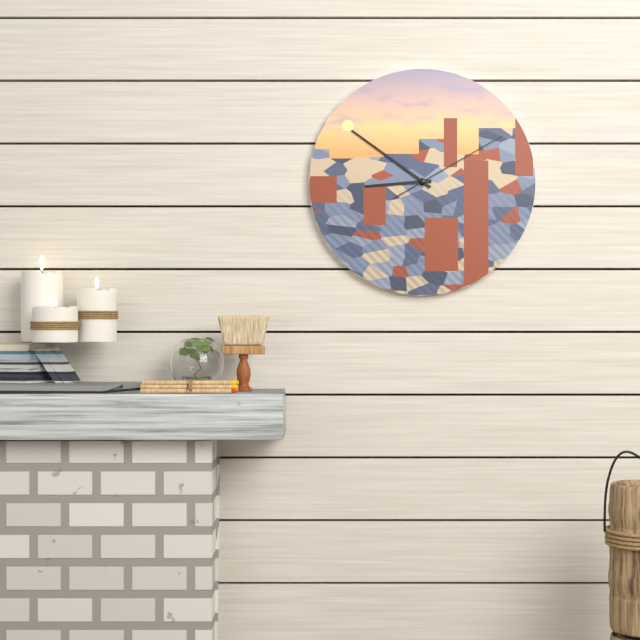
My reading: 8:51:10
